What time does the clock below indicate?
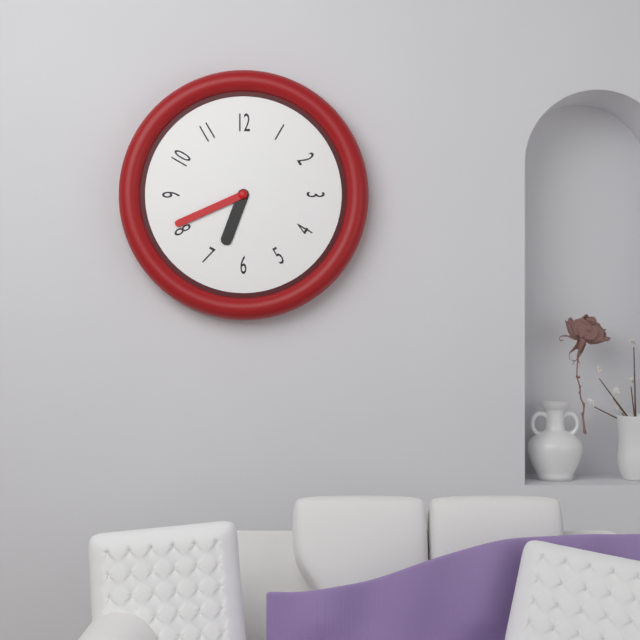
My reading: 6:41
